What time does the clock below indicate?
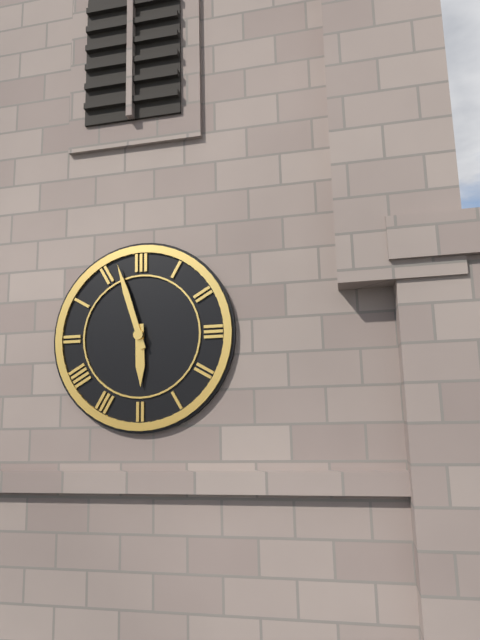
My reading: 5:57
